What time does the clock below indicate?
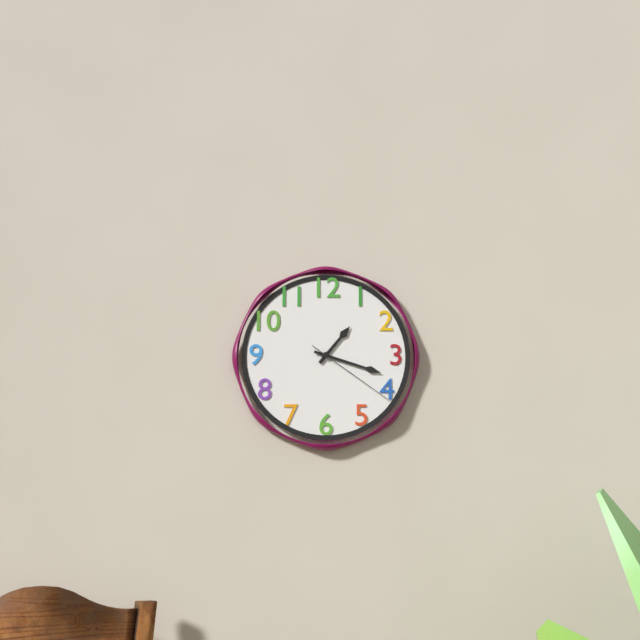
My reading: 1:18:21
